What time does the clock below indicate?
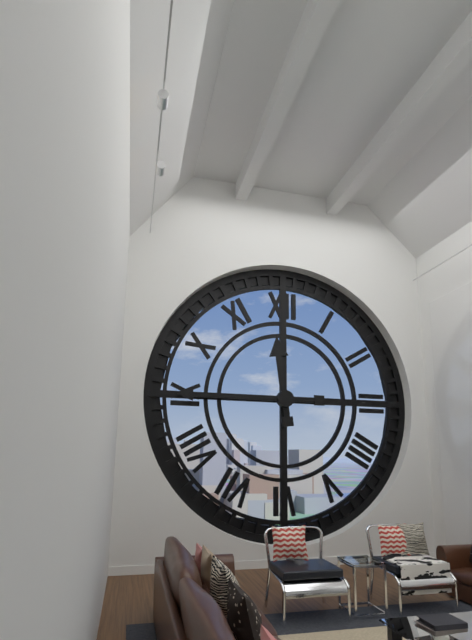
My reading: 11:45
